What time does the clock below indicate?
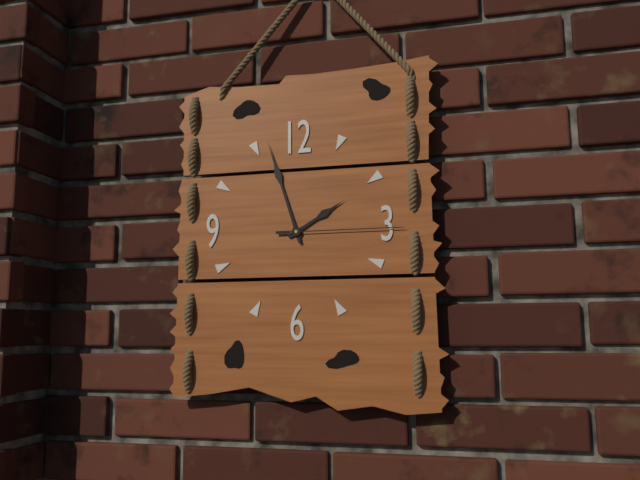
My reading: 1:57:15
